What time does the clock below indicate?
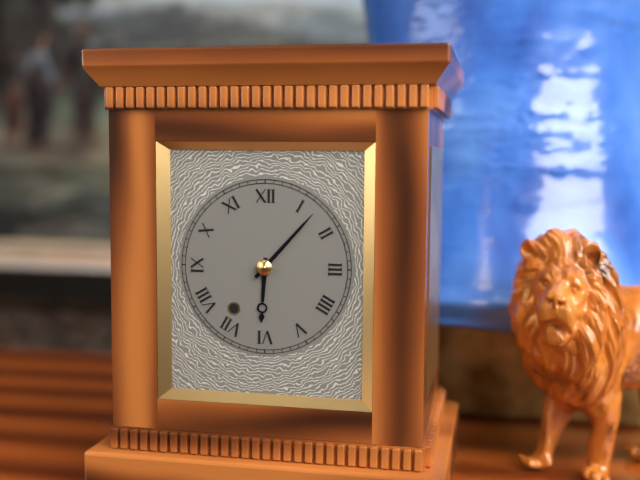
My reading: 6:07
